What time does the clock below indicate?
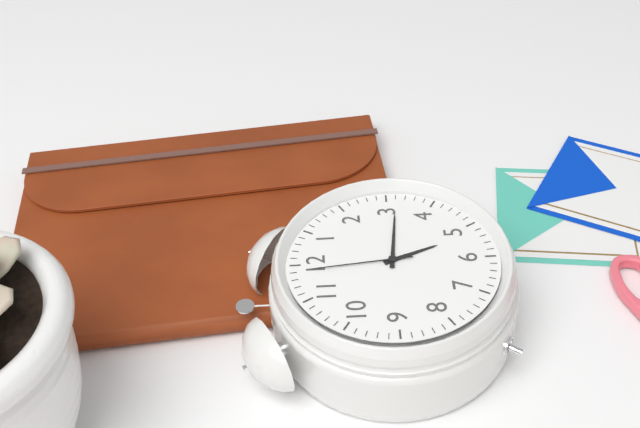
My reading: 5:16:59
